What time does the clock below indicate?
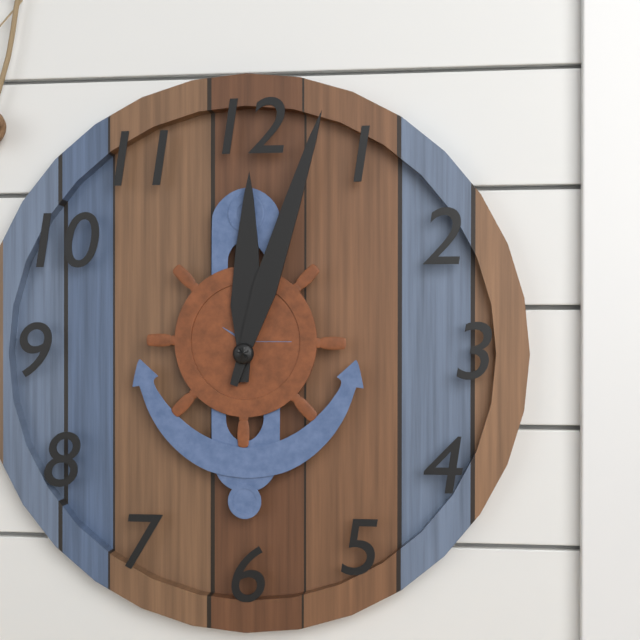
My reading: 12:03
